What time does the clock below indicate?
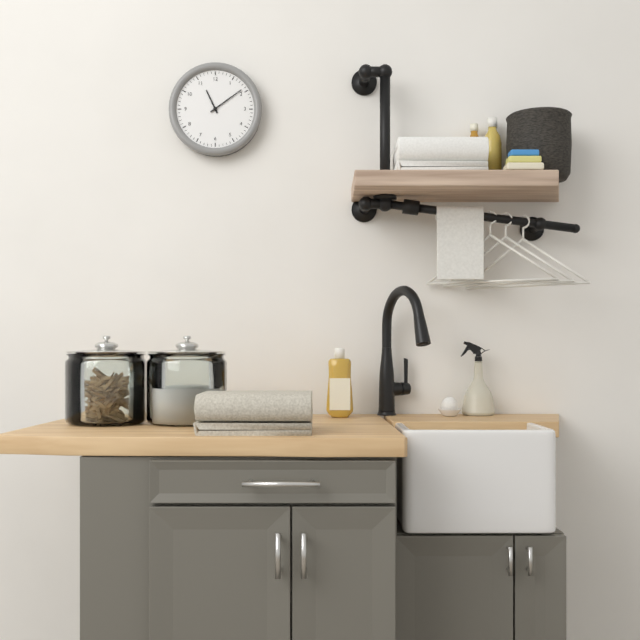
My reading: 11:09
